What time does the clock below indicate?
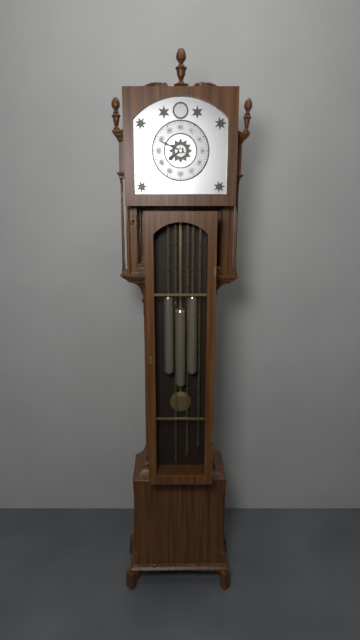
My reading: 7:49
